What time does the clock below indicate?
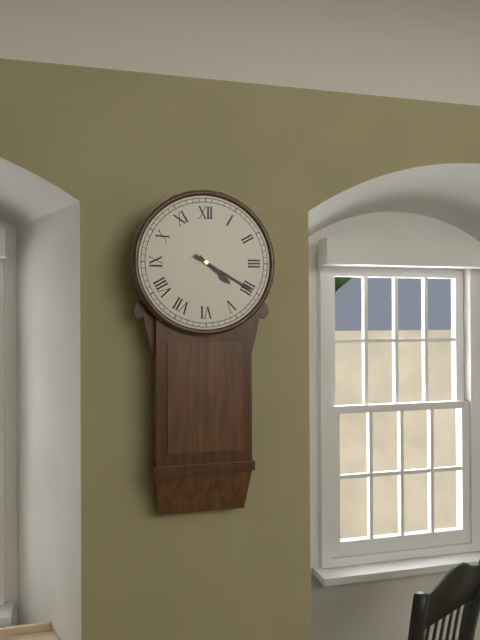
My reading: 4:20
